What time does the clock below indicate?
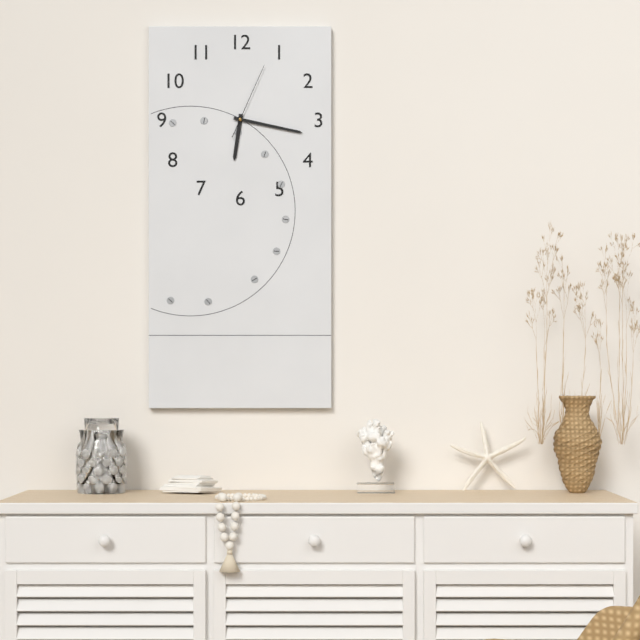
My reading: 6:17:04
